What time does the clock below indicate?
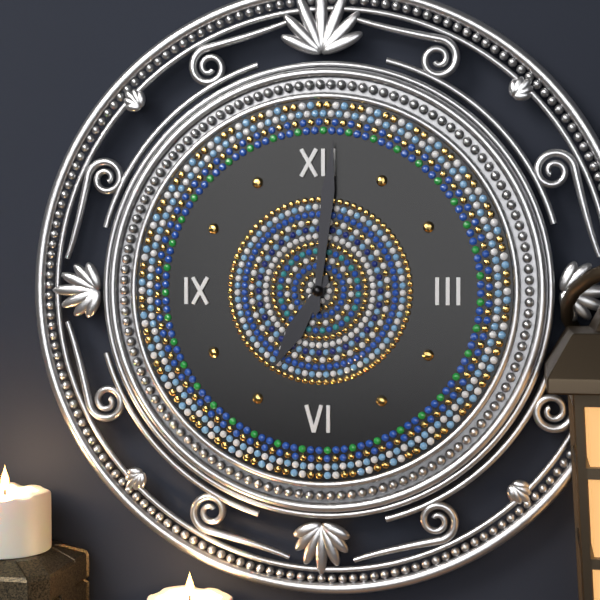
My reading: 7:01
